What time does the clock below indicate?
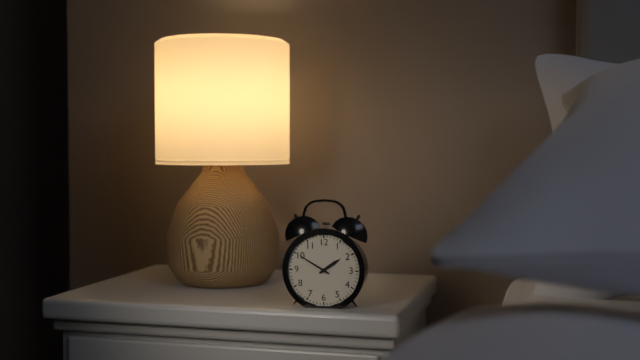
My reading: 1:50
